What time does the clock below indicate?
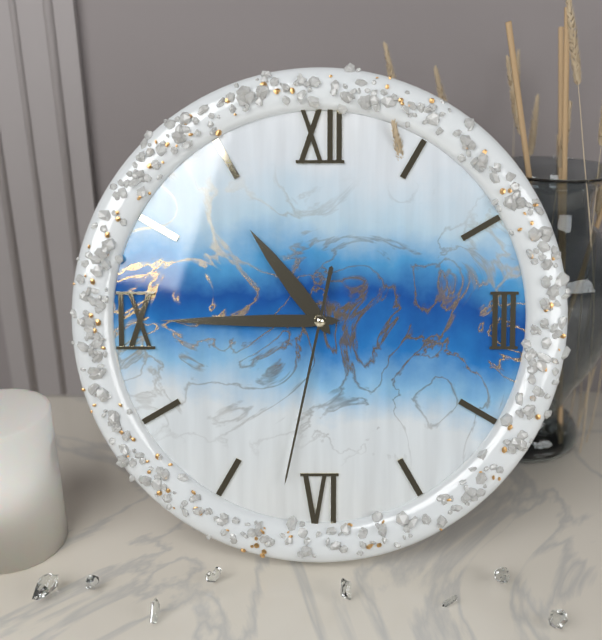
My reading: 10:45:32
